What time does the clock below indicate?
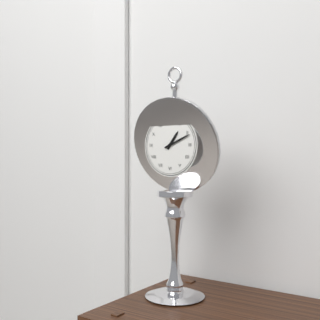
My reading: 1:11
